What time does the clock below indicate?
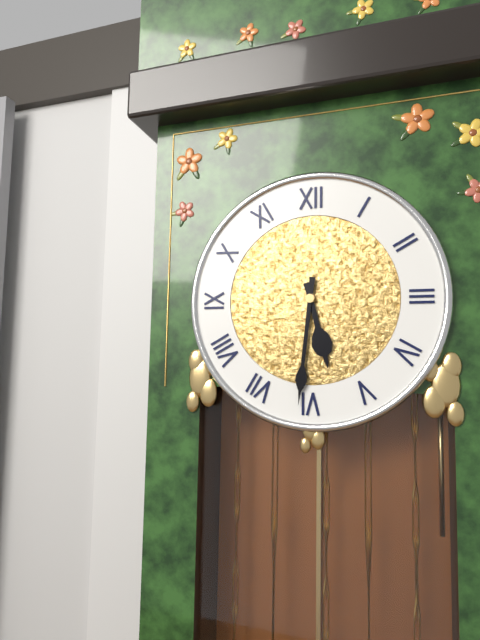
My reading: 5:31
